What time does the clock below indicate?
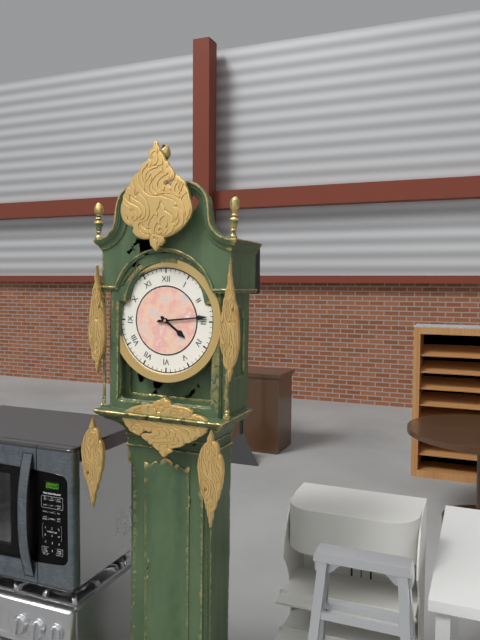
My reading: 4:14
